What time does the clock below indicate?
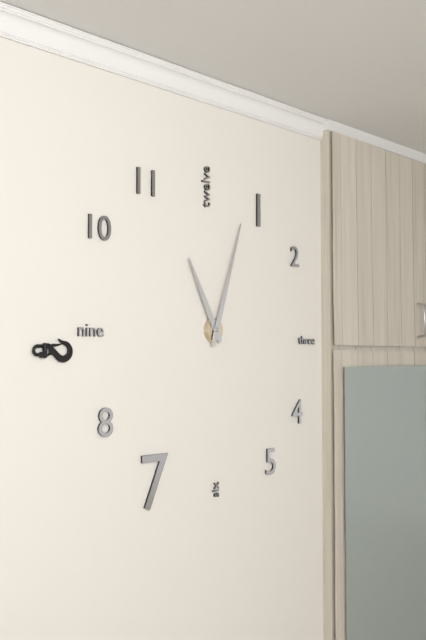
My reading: 11:03
